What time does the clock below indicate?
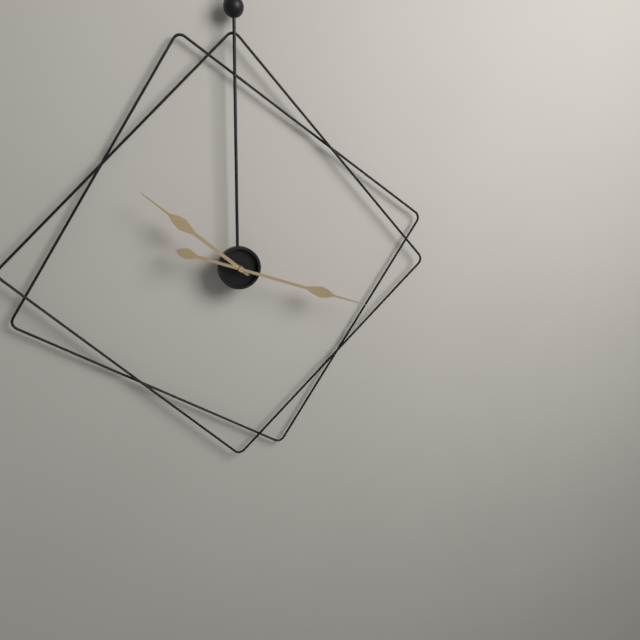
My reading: 10:18
